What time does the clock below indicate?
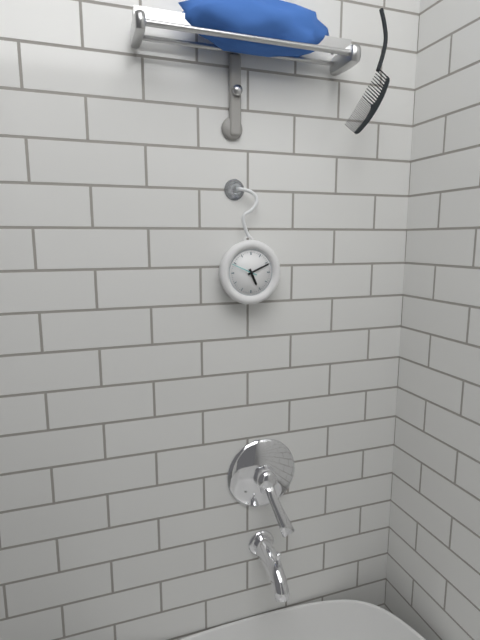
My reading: 5:11
